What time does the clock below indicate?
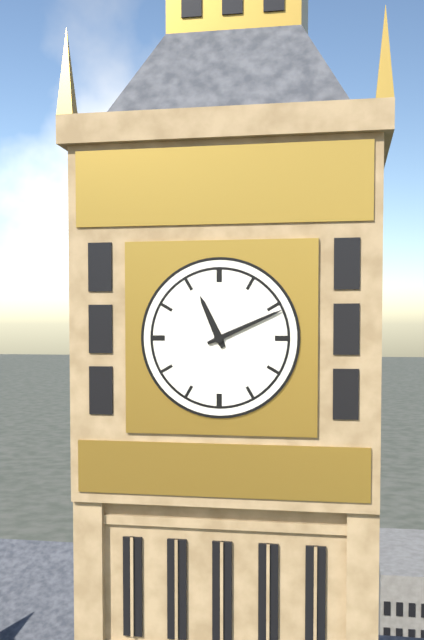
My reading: 11:11
